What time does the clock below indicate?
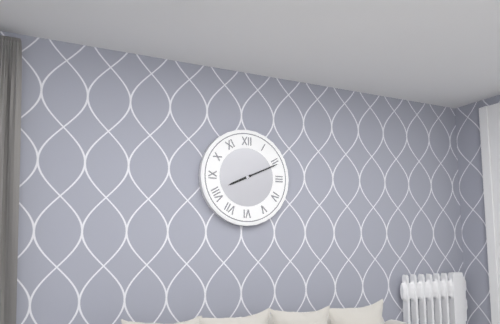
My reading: 8:11
